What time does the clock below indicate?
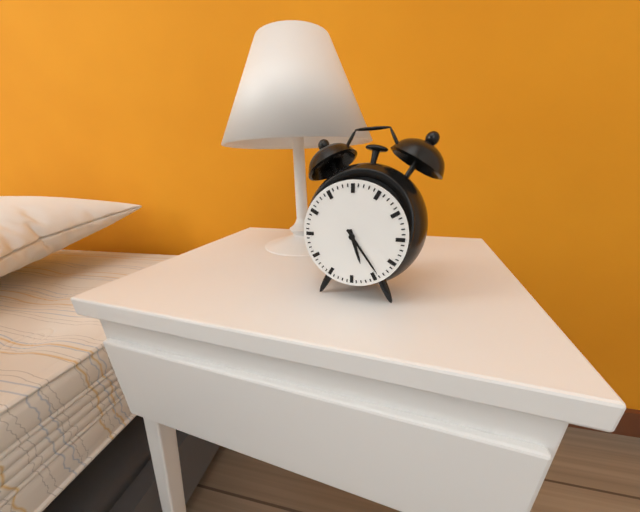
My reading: 5:24
